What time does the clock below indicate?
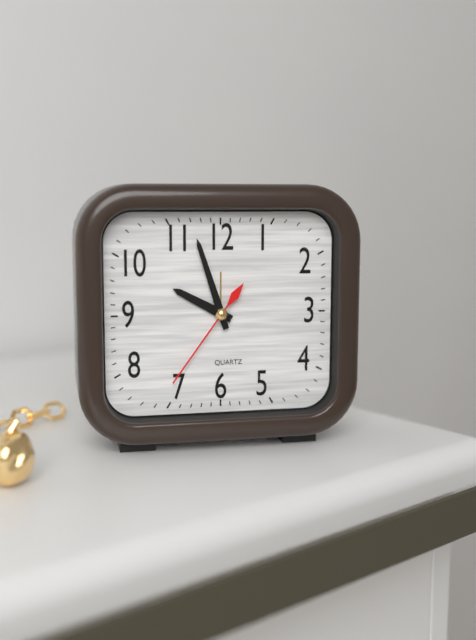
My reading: 9:57:36
